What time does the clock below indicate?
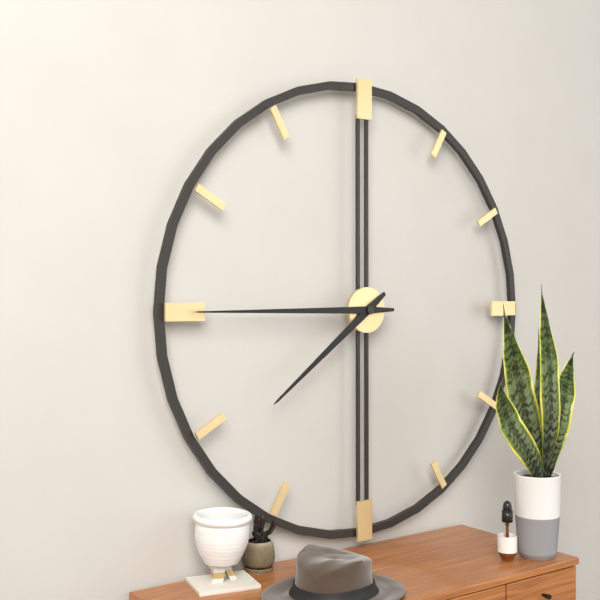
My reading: 7:45
